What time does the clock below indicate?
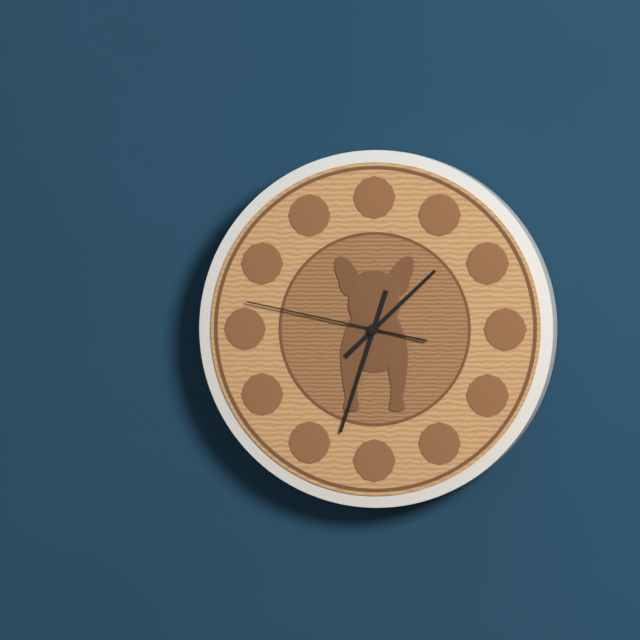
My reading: 1:33:47
